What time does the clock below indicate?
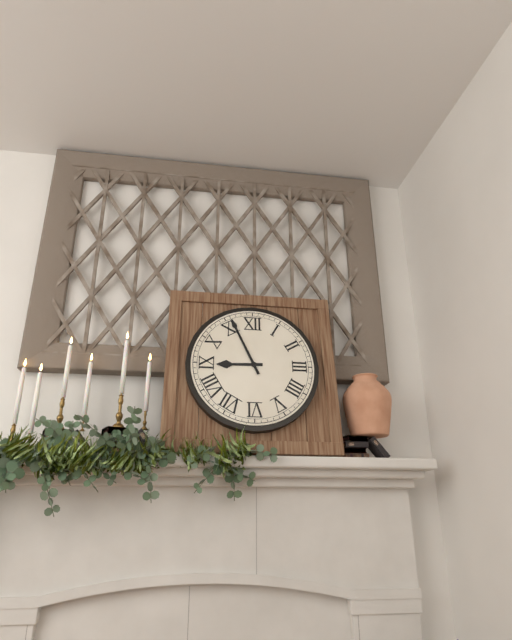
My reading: 8:56
